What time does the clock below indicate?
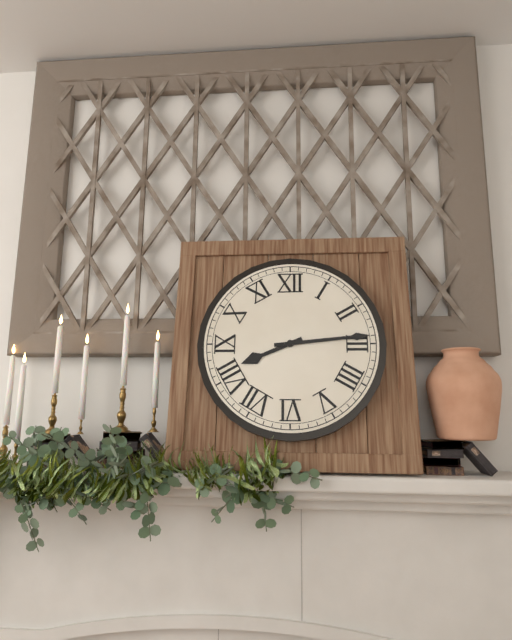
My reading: 8:14
